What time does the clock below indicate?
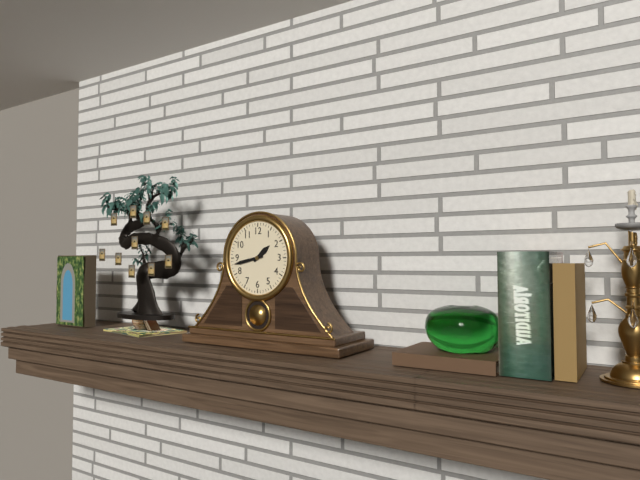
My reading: 1:43
